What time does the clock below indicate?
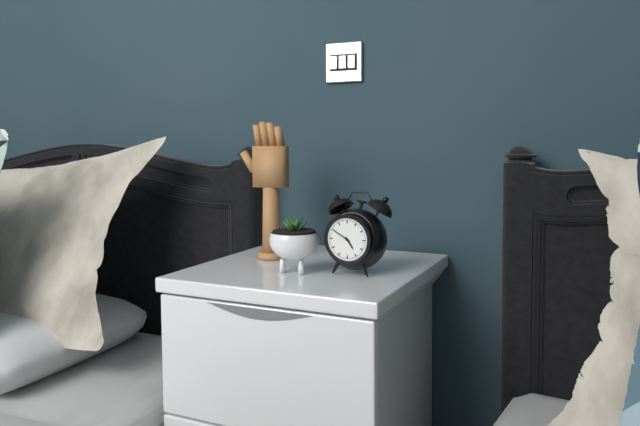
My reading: 4:50
